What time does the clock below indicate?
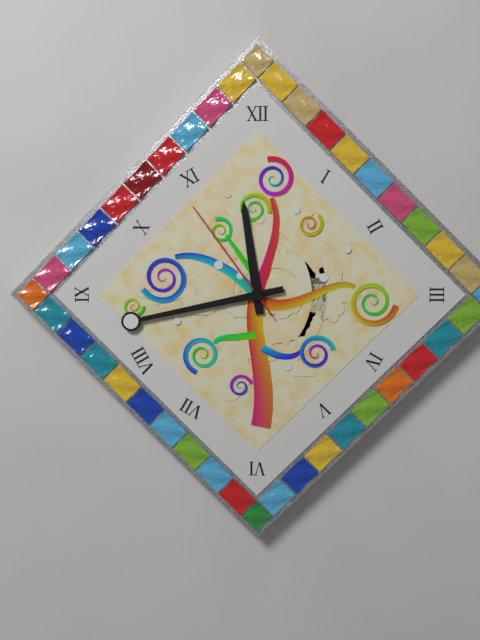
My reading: 11:43:54
